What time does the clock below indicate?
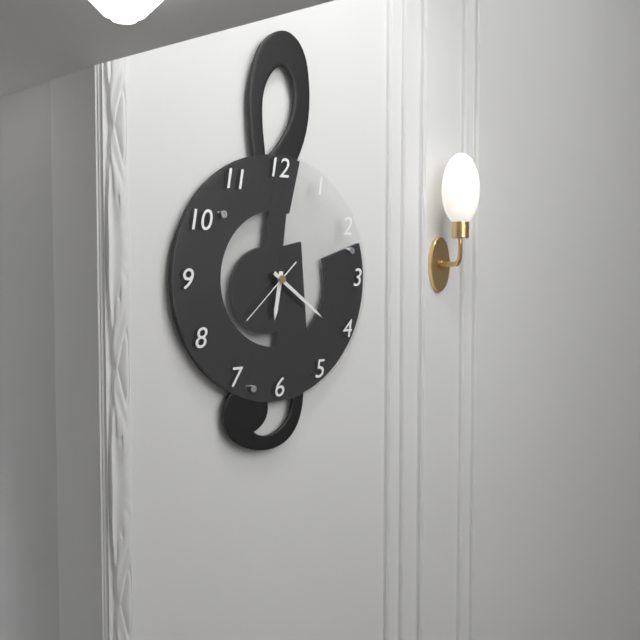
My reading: 6:21:38
